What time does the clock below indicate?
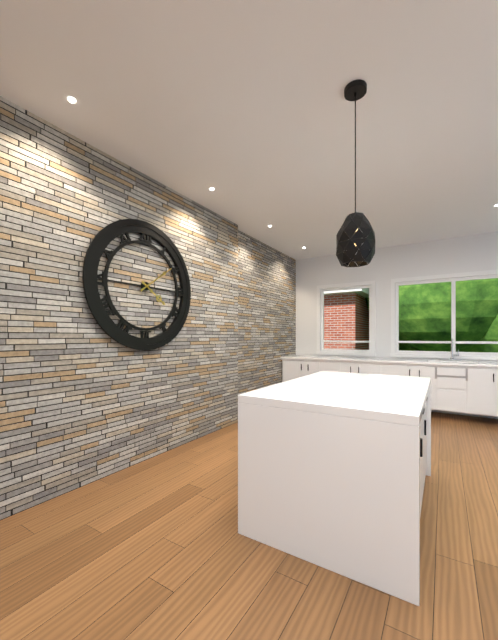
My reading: 4:09
